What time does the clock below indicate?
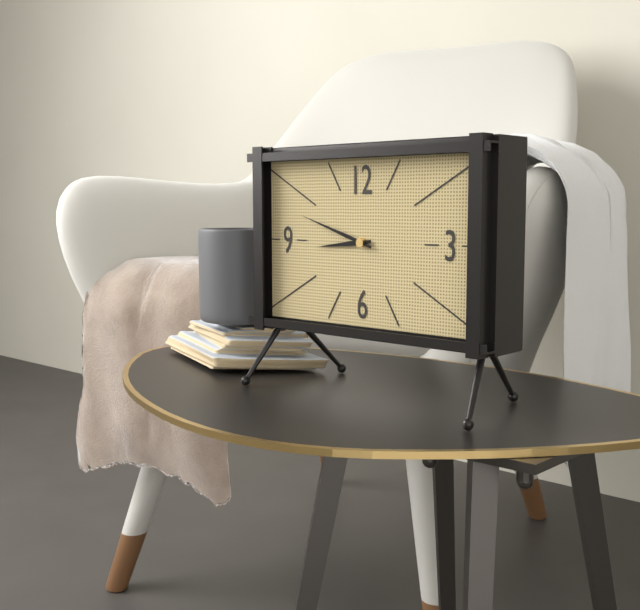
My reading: 8:48
